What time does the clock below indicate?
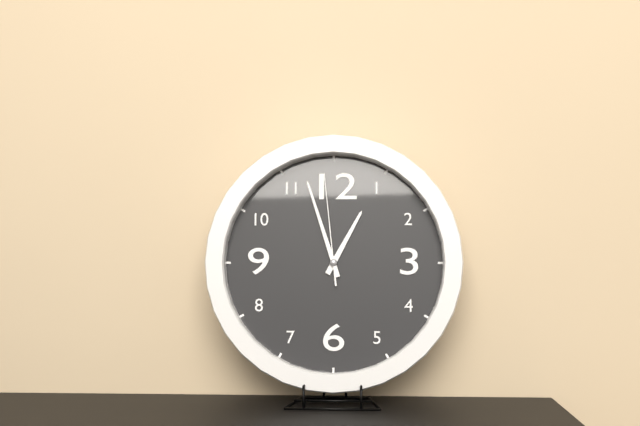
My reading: 12:57:59
